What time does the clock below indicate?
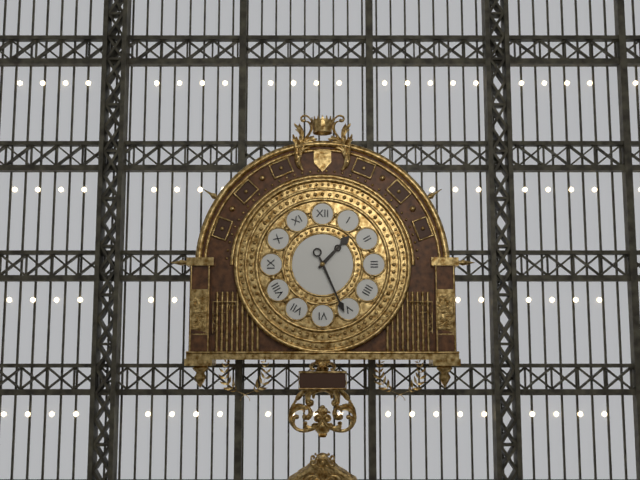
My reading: 1:26
